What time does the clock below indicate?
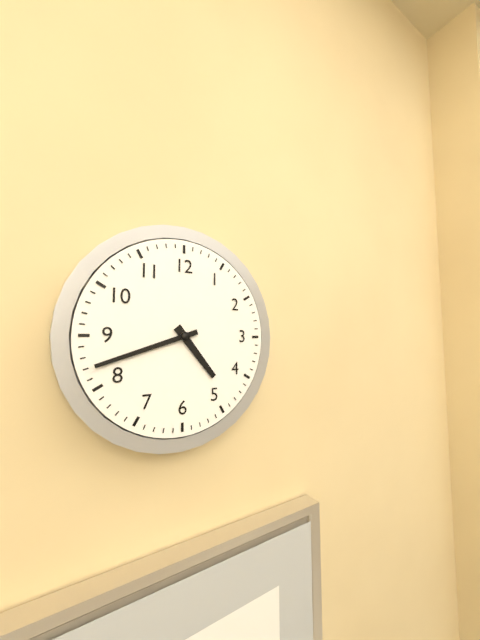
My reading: 4:42
